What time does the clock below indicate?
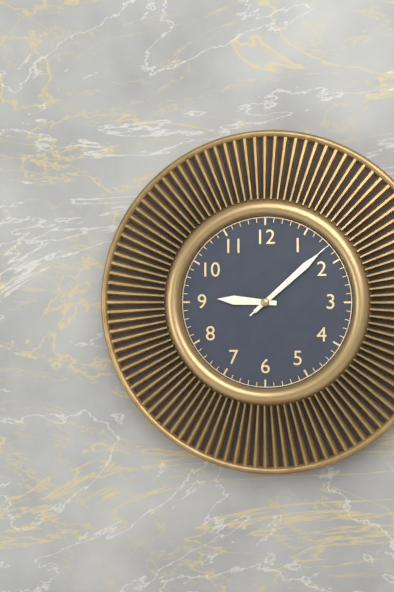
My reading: 9:08:08
